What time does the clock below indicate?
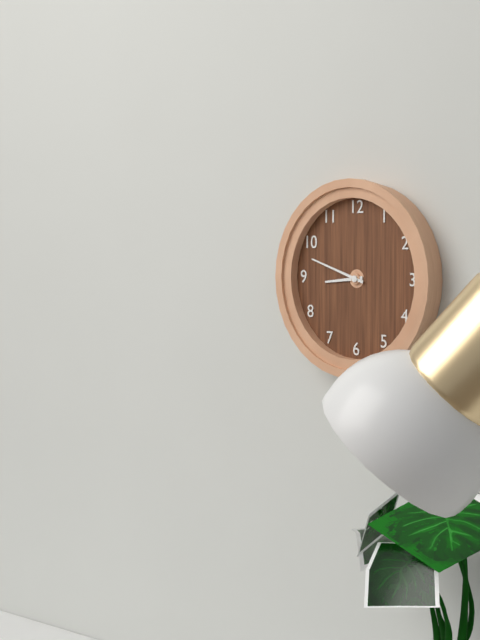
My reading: 8:48
